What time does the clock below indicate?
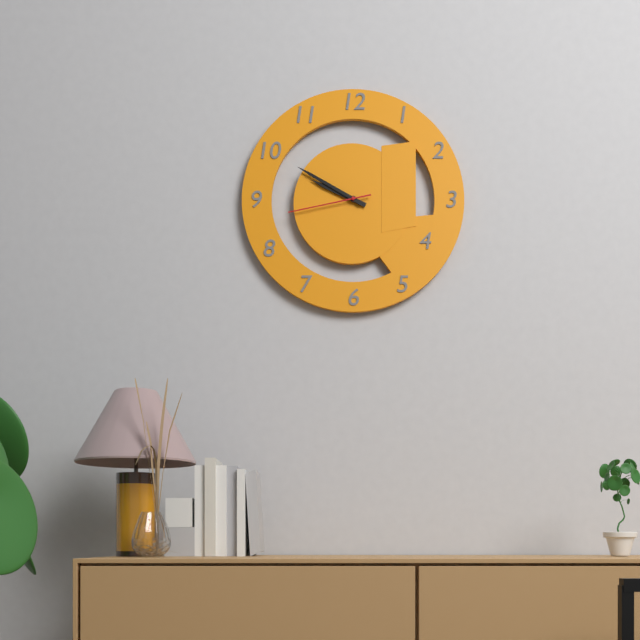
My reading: 9:50:43
